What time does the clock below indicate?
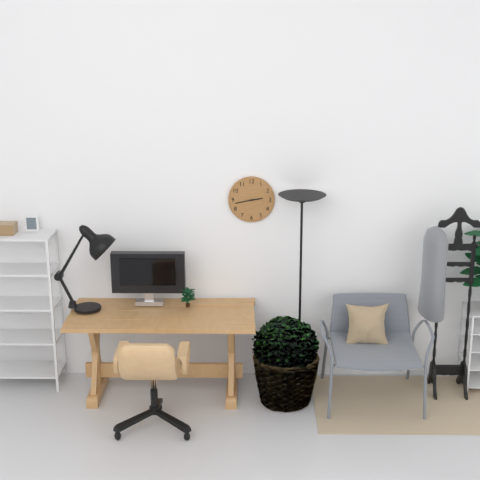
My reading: 2:43
